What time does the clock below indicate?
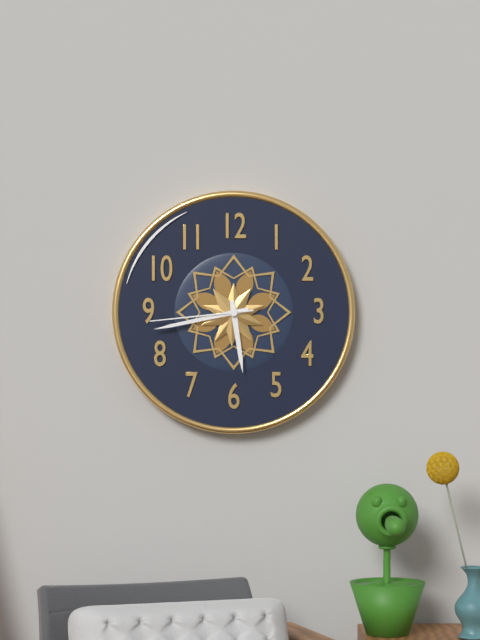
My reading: 5:43:44
